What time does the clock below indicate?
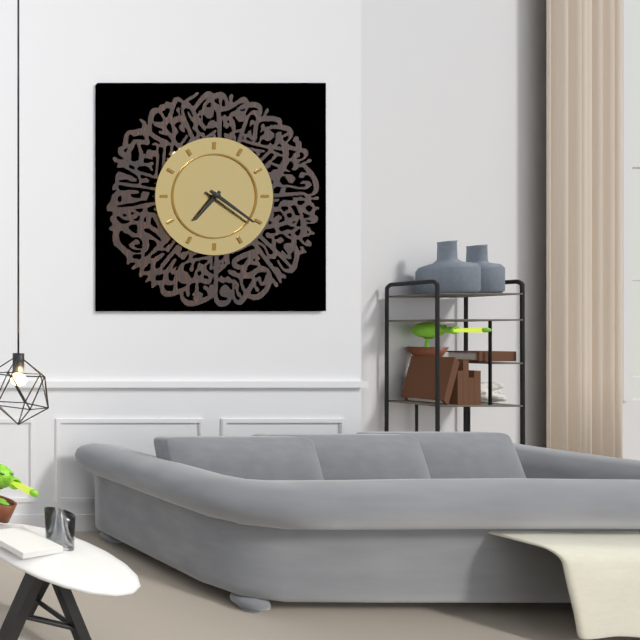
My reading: 7:21
